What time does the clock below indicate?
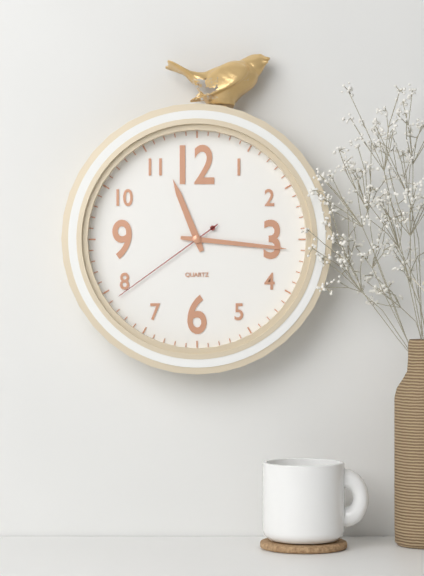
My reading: 11:16:39
